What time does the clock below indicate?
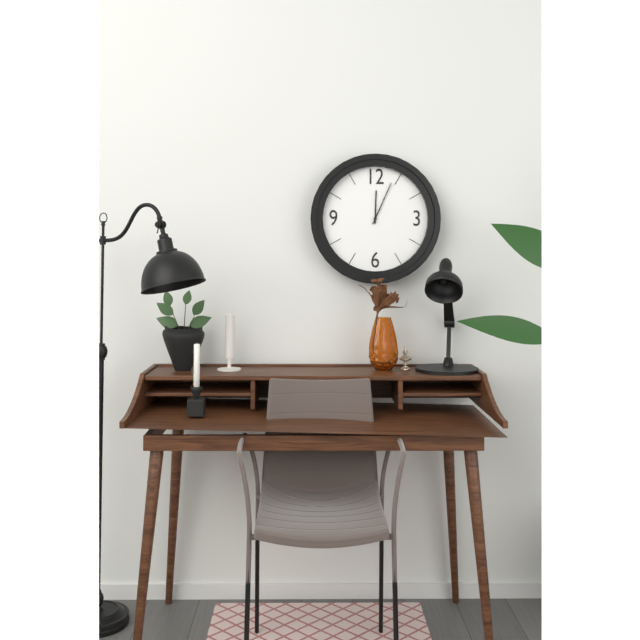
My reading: 12:04
